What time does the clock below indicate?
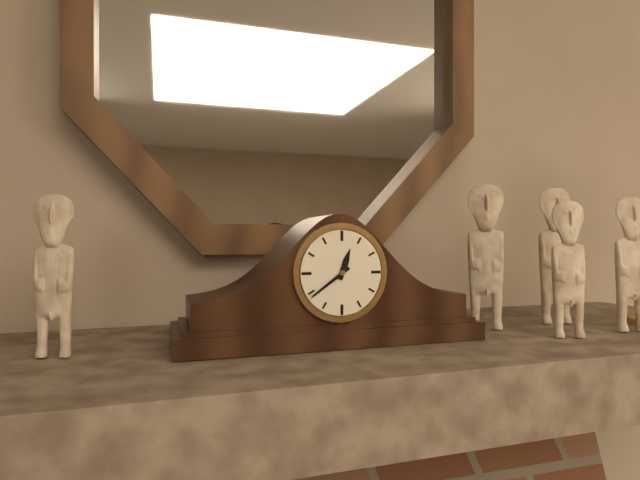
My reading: 12:39
